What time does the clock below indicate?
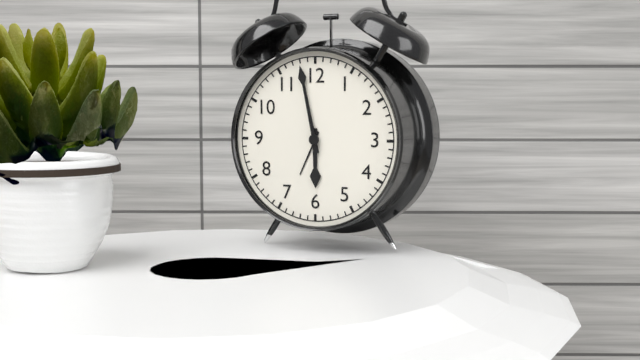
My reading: 5:58
